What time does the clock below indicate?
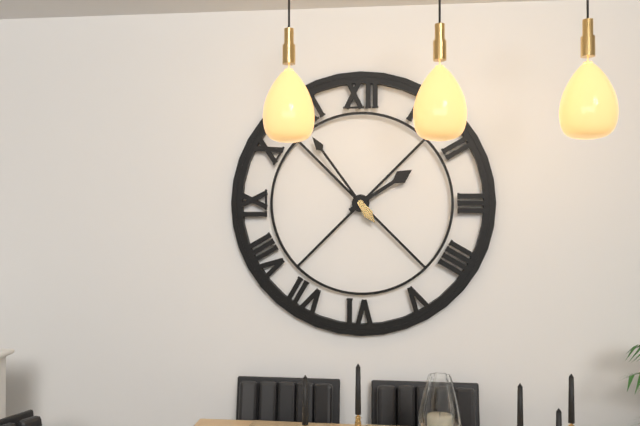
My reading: 1:54
